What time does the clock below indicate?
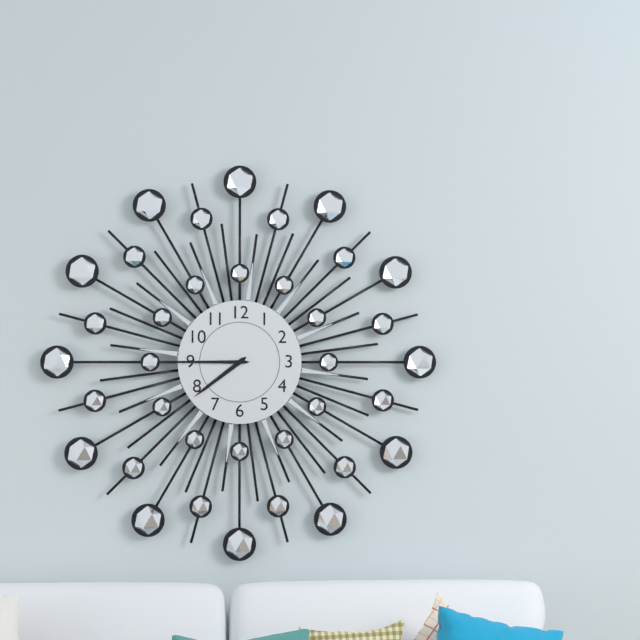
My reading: 7:45
